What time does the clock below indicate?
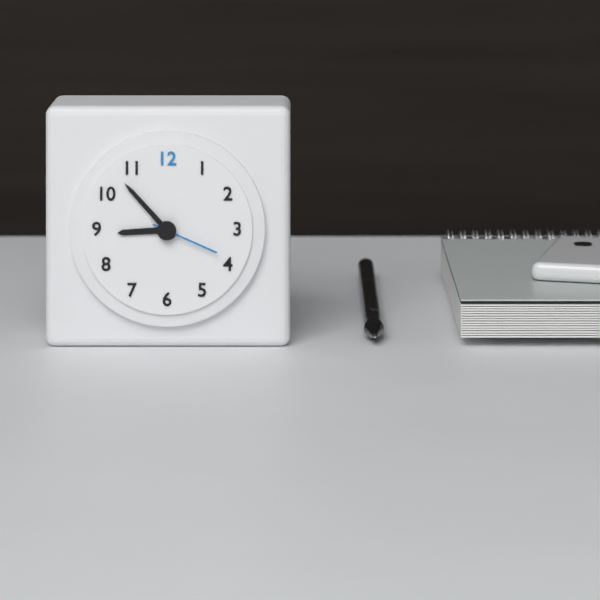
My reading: 8:53:19
